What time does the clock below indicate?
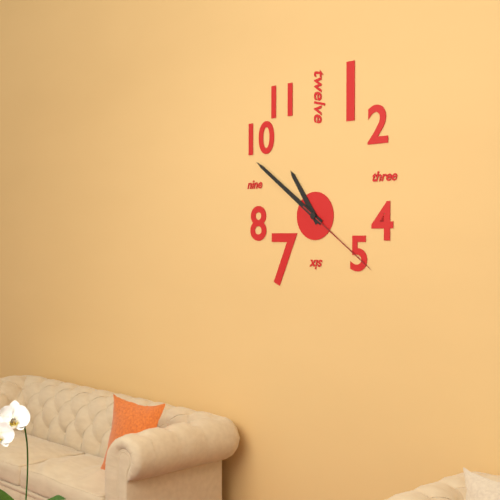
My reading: 10:51:21
